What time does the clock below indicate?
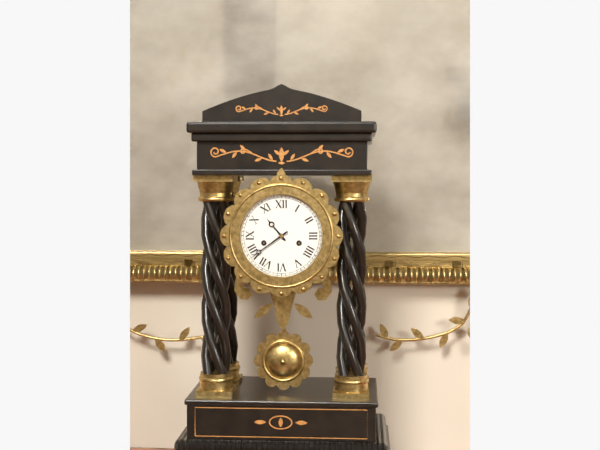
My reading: 10:39
